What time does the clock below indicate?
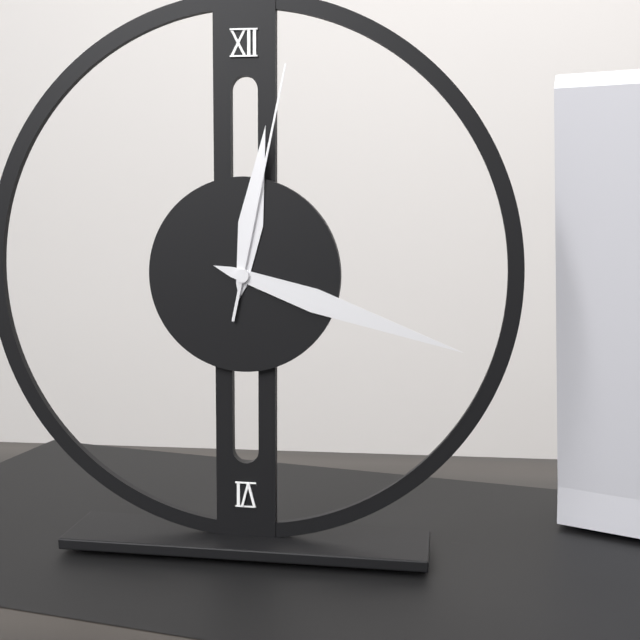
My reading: 12:18:02
